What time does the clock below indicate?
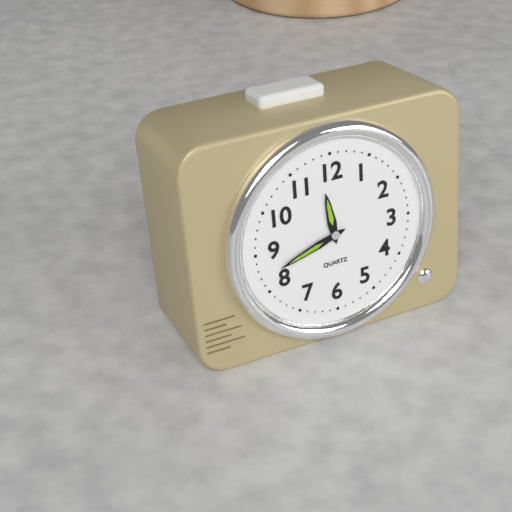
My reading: 11:42
